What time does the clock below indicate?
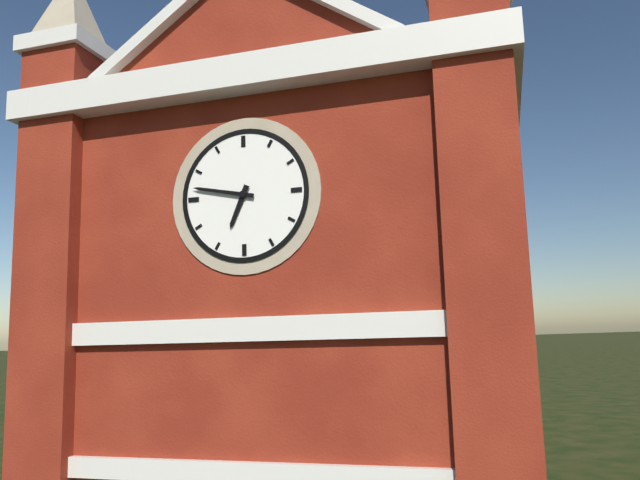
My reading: 6:47
